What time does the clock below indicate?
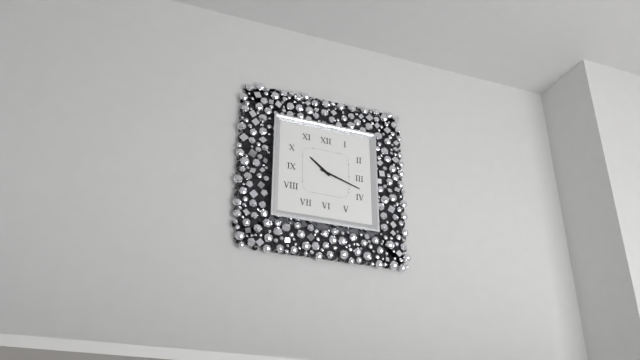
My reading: 10:18
